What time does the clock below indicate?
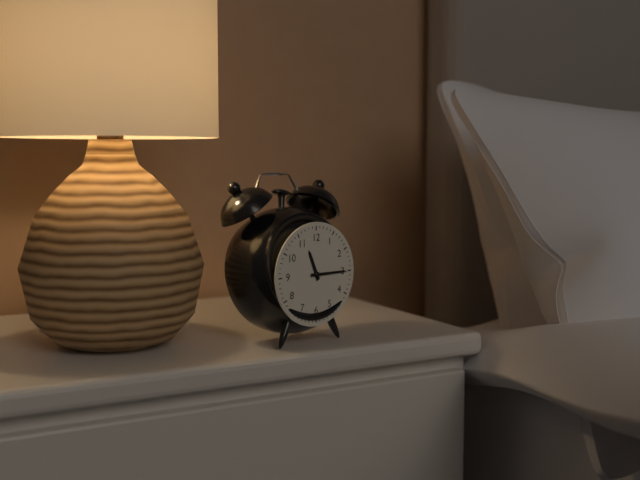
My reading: 11:15
